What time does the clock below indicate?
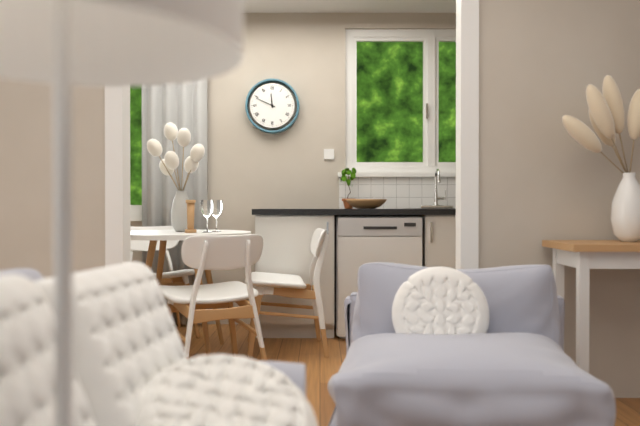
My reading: 11:49
